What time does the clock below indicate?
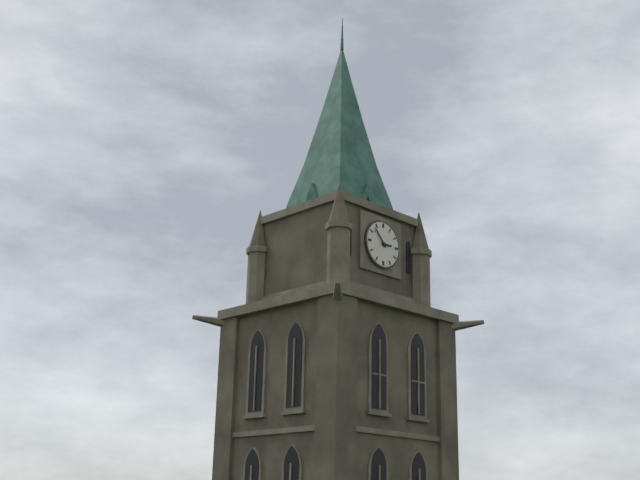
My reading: 2:53
